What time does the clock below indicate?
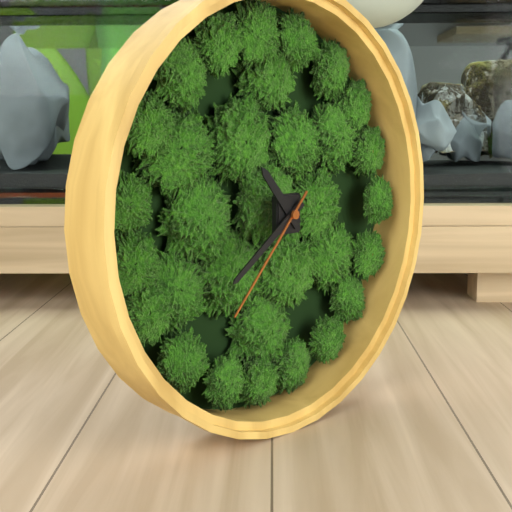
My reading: 10:39:37
